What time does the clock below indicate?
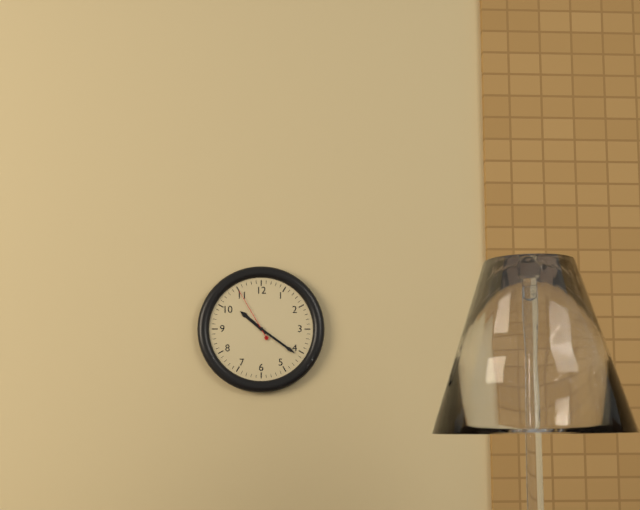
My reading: 10:21:55
